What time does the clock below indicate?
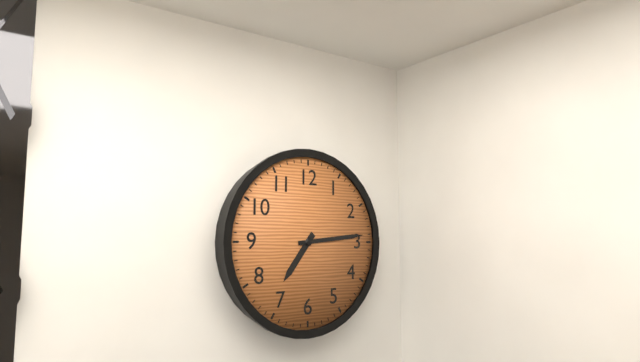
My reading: 7:14
